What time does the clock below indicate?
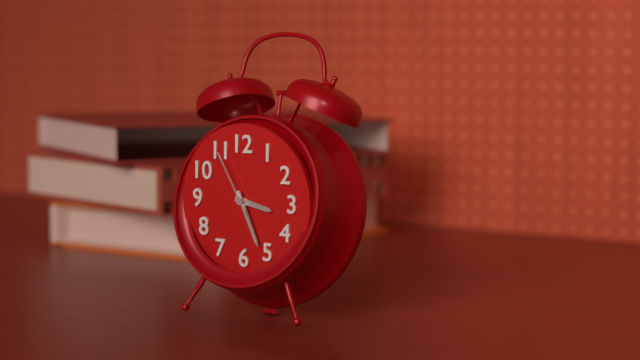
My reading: 3:26:55
